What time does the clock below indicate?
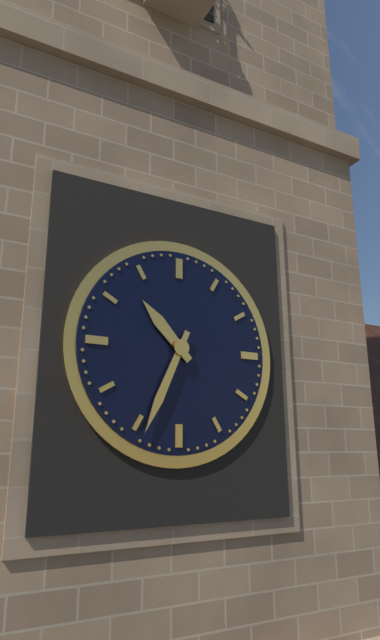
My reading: 10:34
